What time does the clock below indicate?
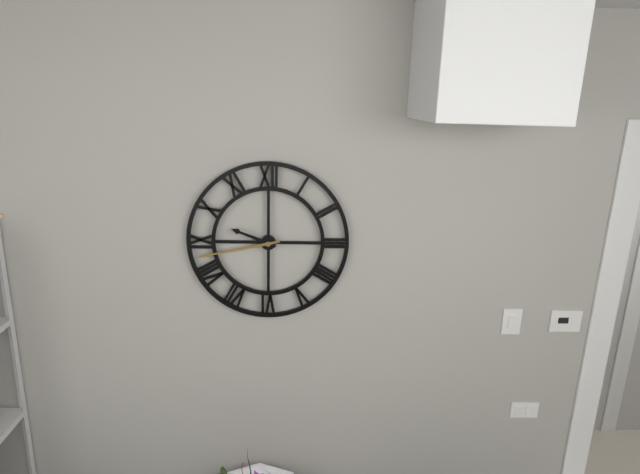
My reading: 9:43
